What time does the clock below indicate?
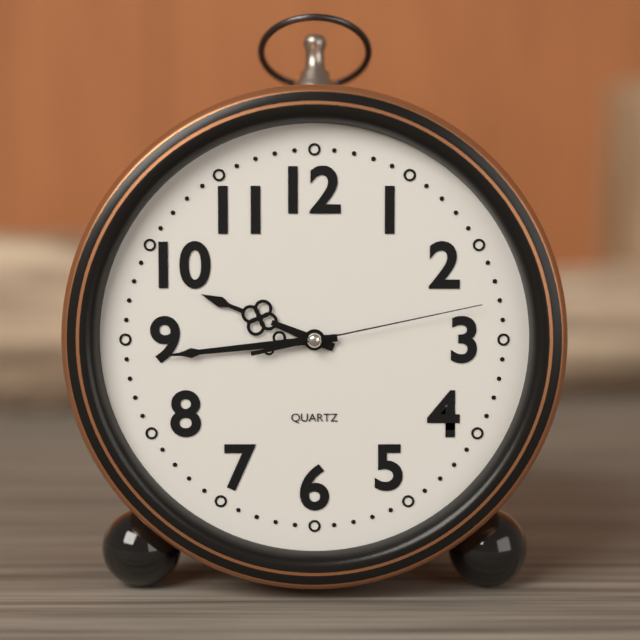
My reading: 9:44:13
